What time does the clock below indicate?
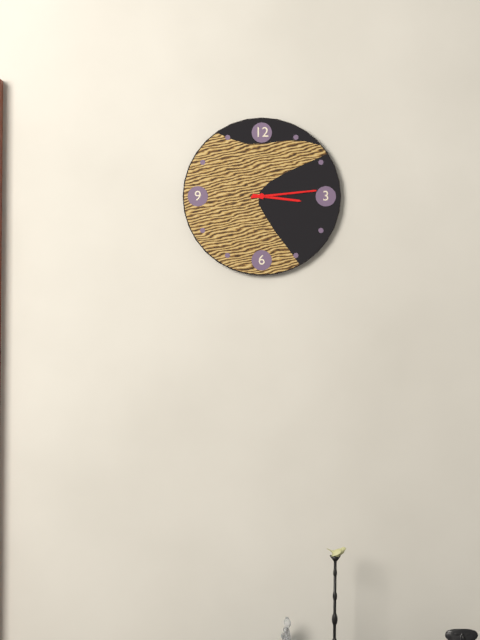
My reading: 3:14
